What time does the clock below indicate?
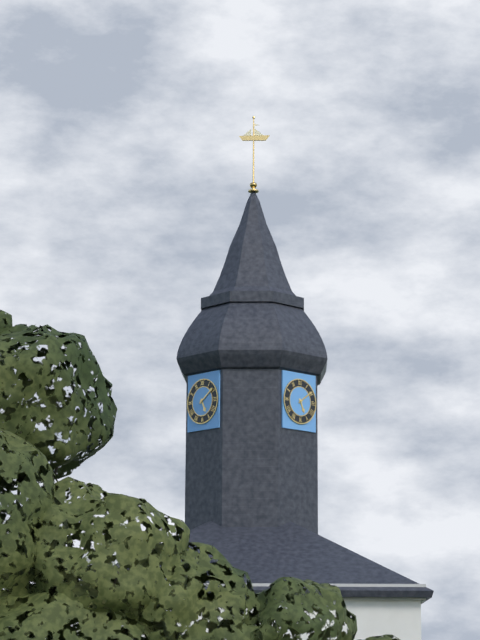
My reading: 5:09
